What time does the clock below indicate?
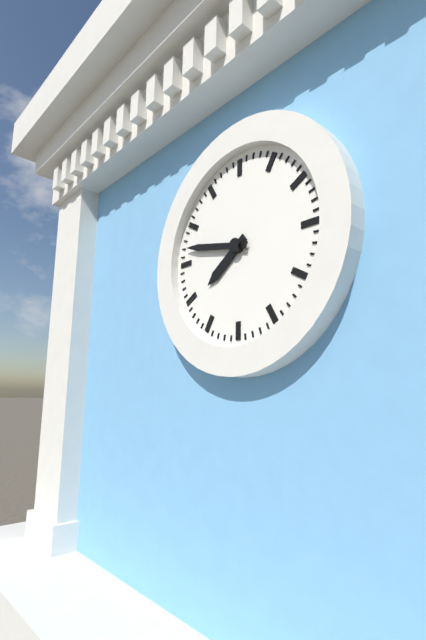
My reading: 7:47
